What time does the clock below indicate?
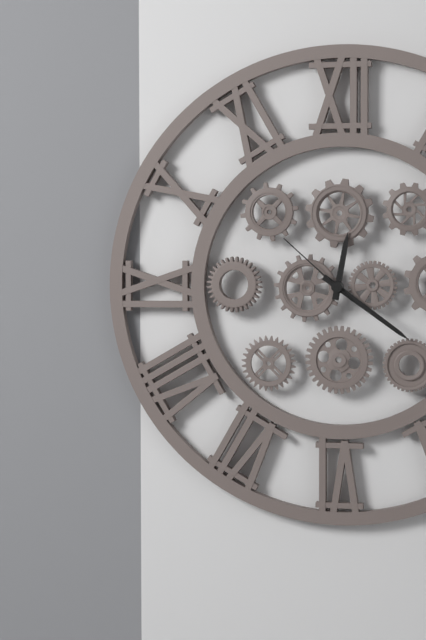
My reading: 12:21:52
